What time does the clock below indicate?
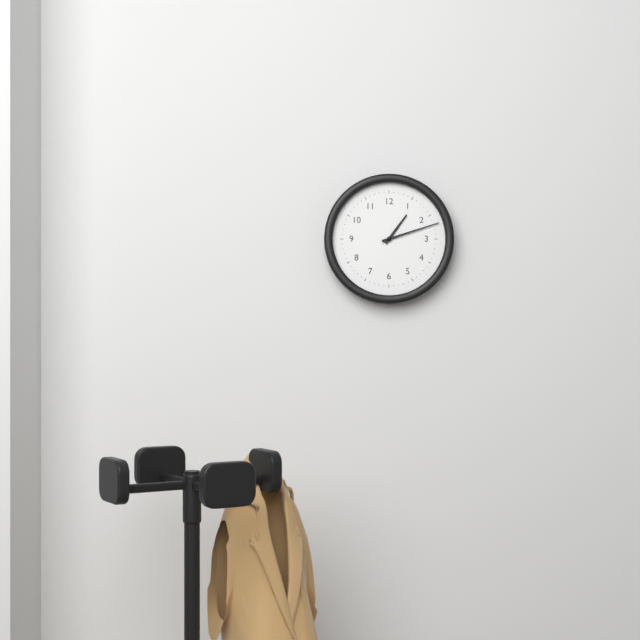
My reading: 1:12
